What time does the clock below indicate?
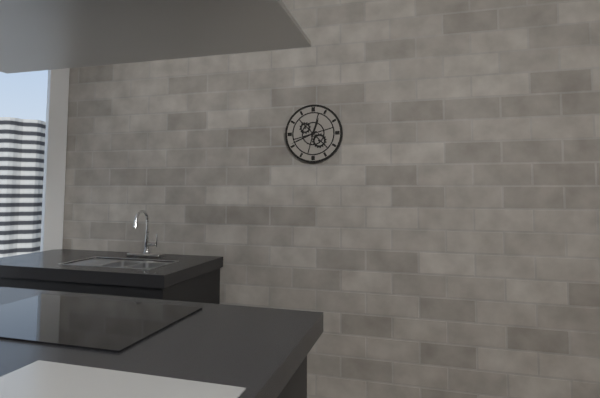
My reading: 12:41
